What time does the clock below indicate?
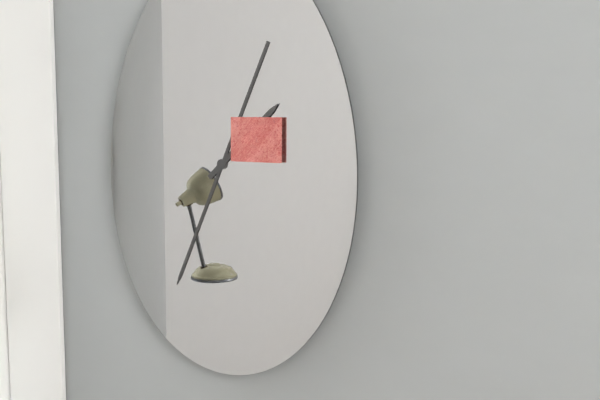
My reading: 1:34
